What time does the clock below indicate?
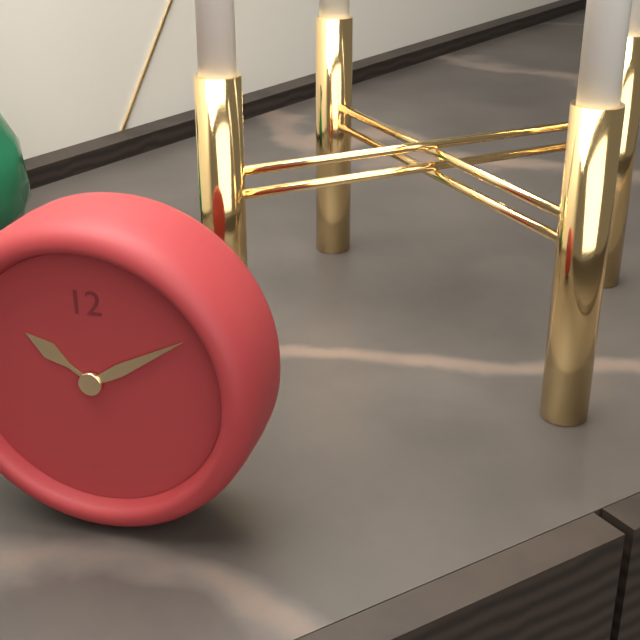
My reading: 10:10
